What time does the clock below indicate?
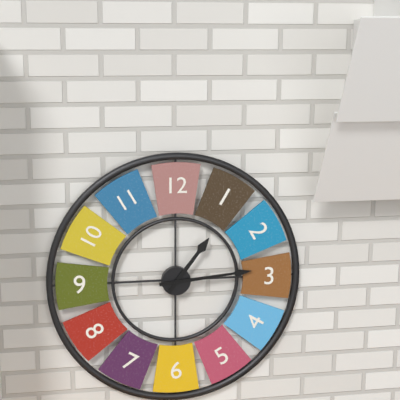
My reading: 1:14
